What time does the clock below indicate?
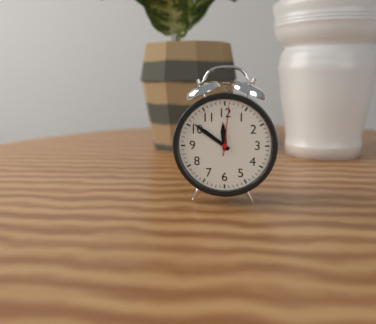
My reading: 11:51
